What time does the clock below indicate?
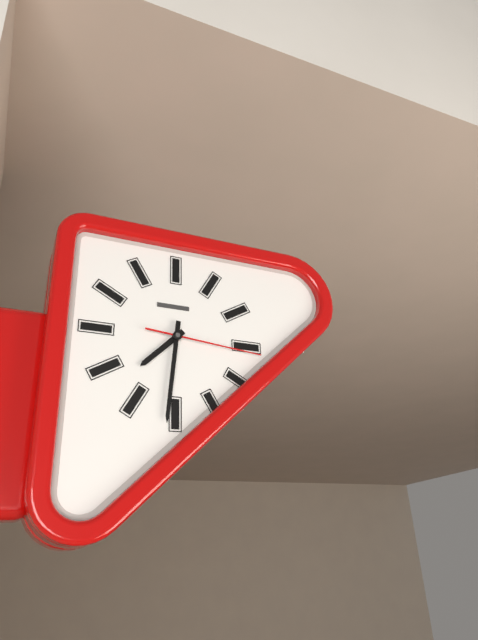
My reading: 7:31:16
